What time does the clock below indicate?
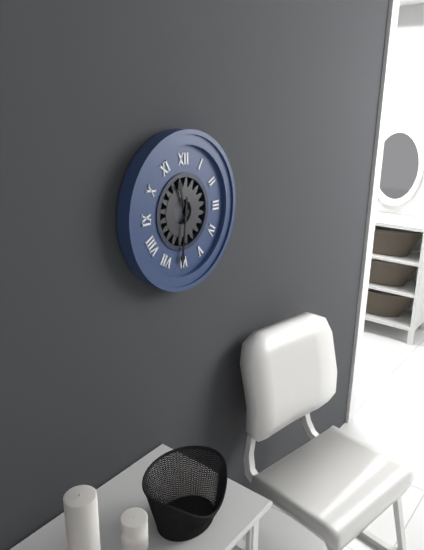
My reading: 11:31
